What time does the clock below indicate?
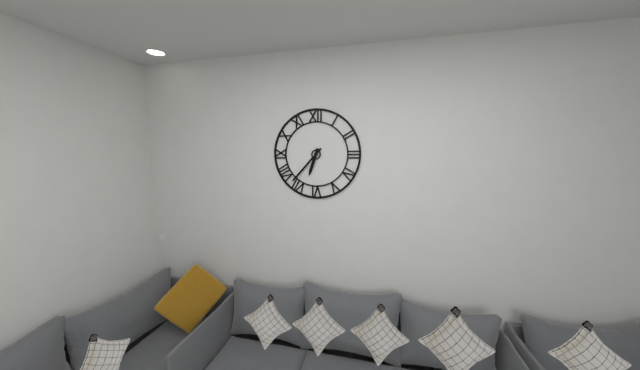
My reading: 6:37
